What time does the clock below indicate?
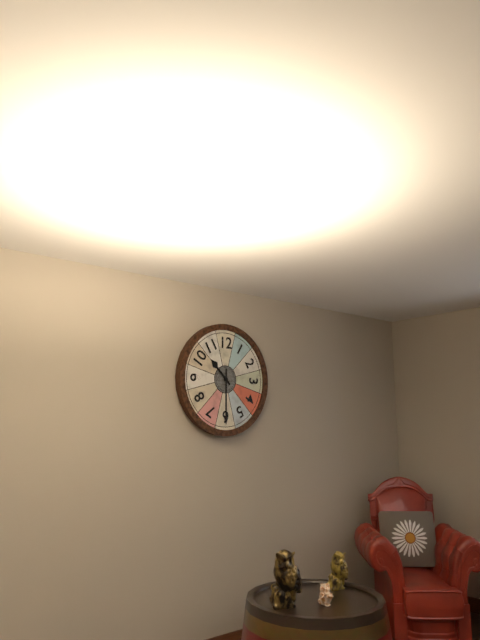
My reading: 10:30
